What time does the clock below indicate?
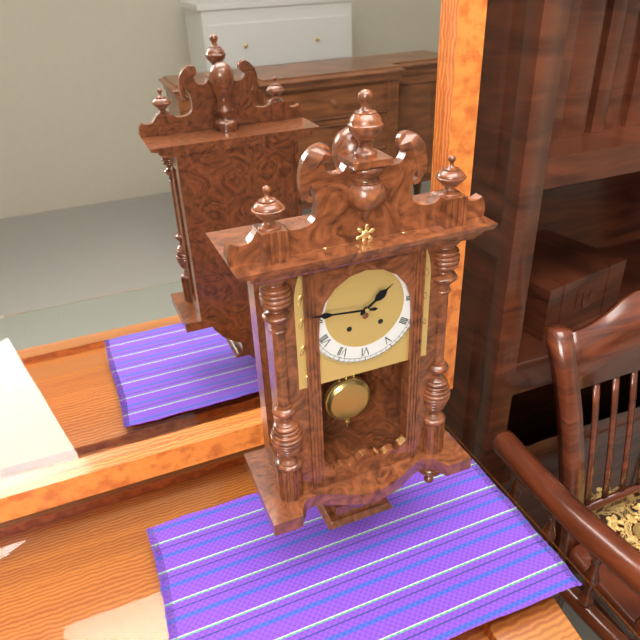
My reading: 1:46
